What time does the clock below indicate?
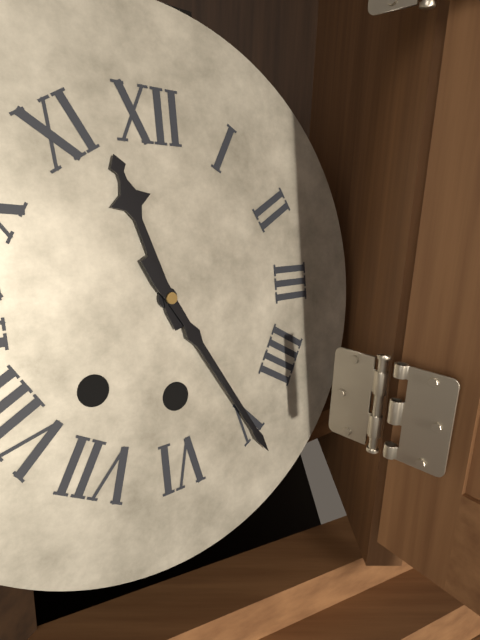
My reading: 11:25
